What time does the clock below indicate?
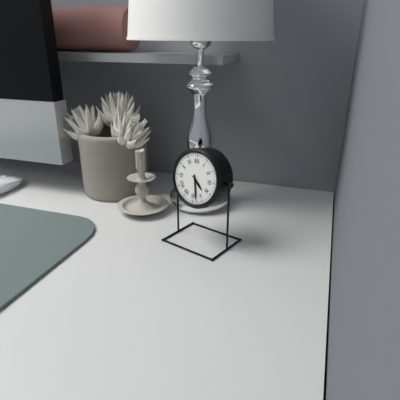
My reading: 4:28
